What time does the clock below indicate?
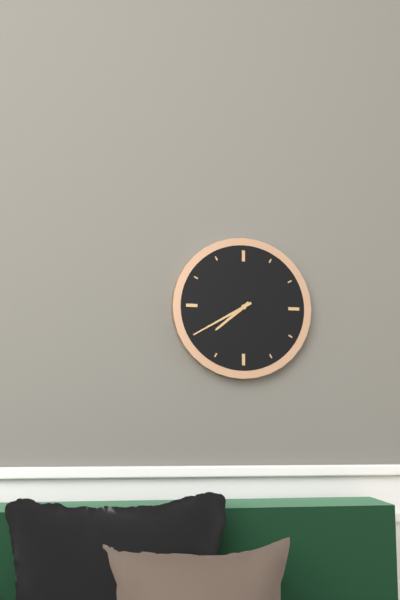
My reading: 7:40
